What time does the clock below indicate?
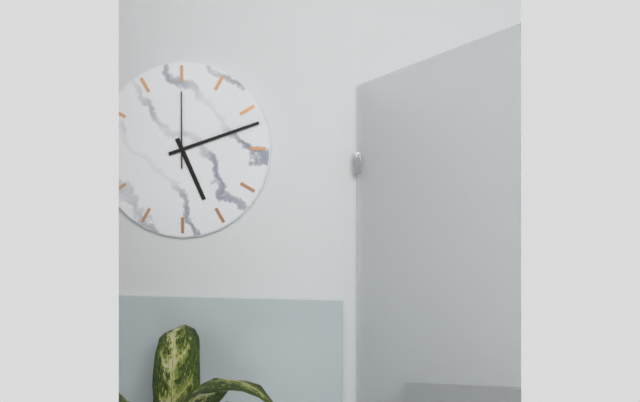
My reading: 5:12:00
